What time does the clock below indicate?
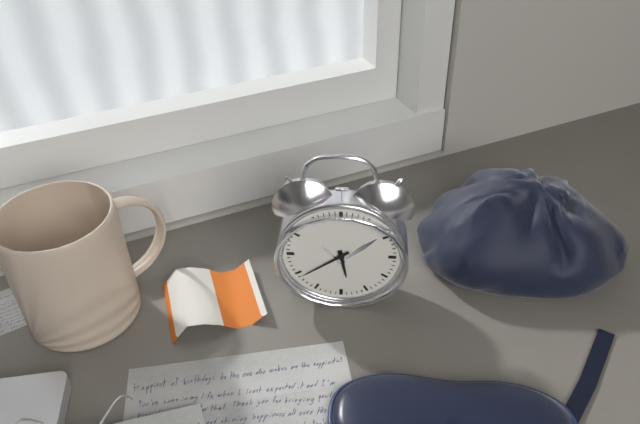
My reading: 5:39
